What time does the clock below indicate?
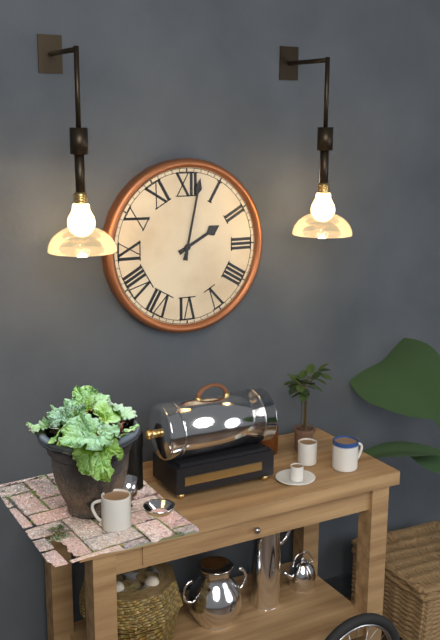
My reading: 2:02
